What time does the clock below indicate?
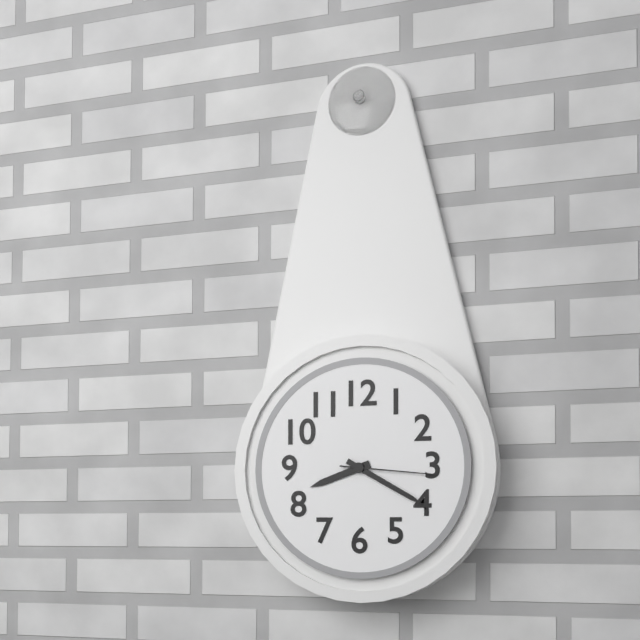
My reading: 8:20:16
